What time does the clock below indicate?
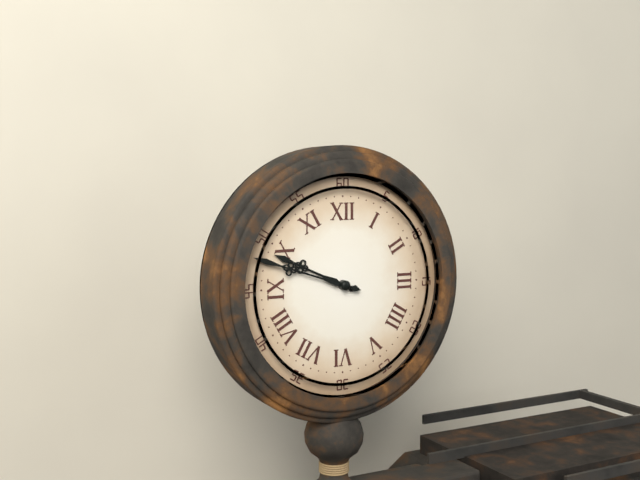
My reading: 9:48
